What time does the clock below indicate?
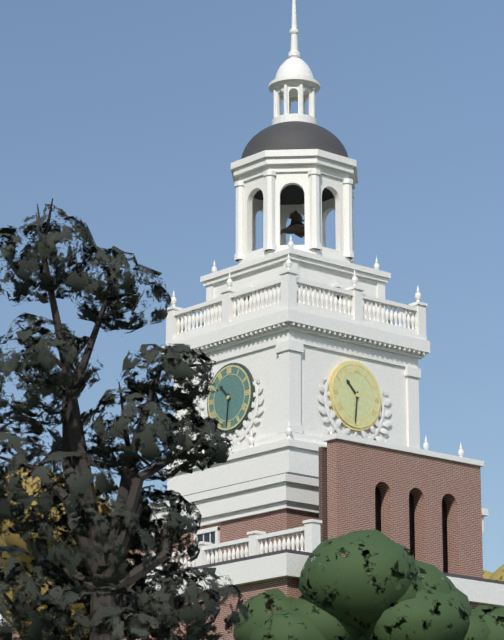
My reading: 10:31
